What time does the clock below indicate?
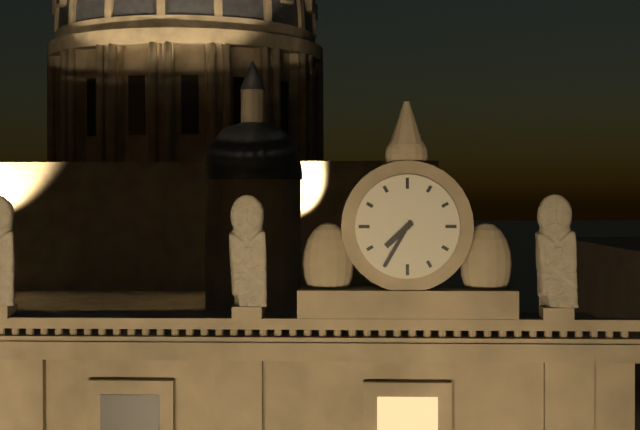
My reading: 7:35
